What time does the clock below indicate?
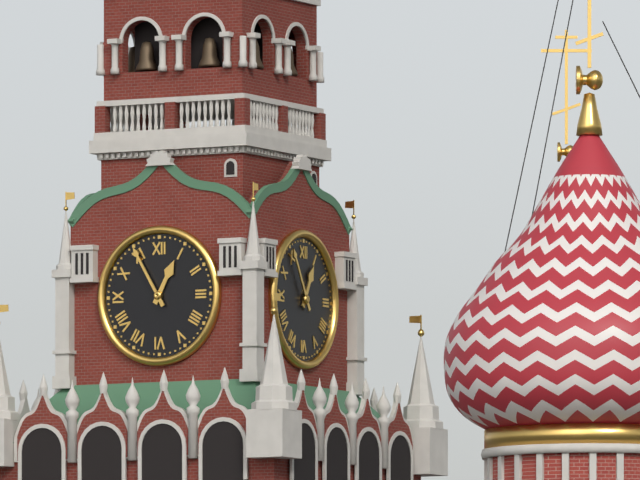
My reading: 12:55
